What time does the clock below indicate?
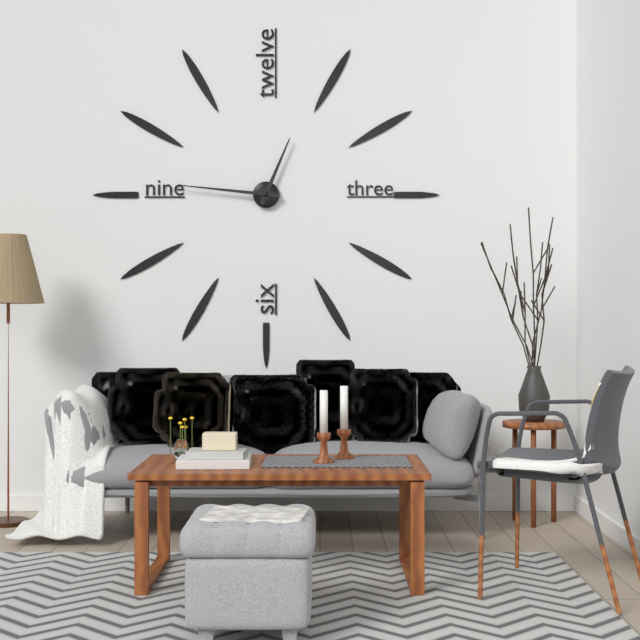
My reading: 12:46
